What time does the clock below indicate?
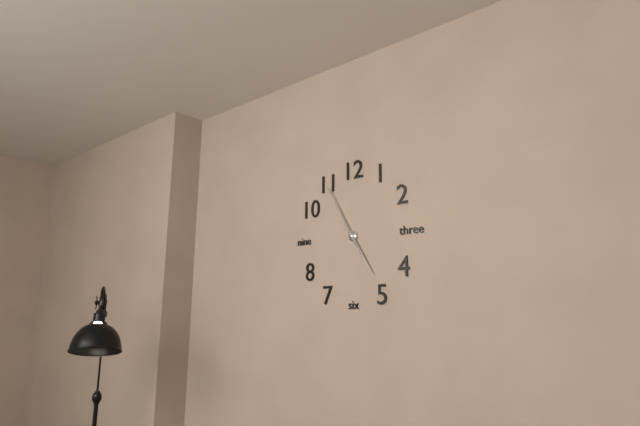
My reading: 4:55
